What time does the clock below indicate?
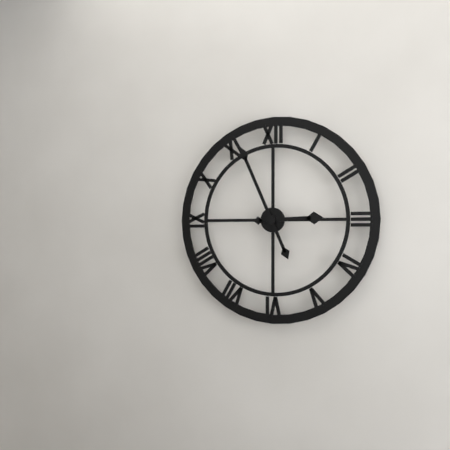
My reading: 2:56
